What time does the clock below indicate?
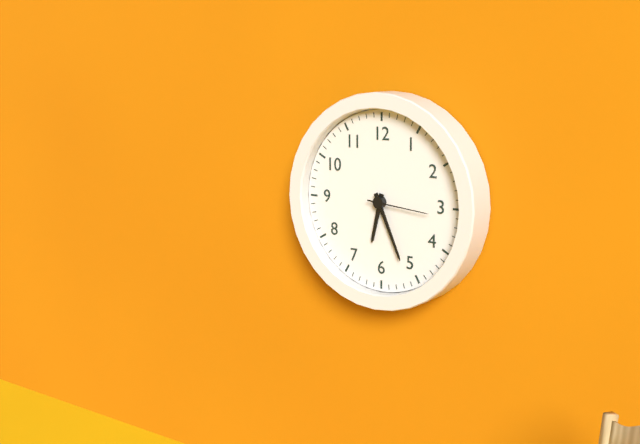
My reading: 6:26:16
